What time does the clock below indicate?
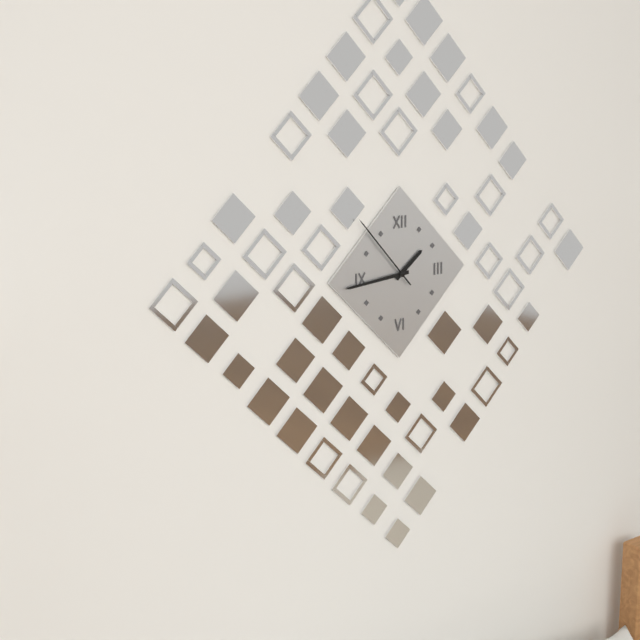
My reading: 1:44:53
